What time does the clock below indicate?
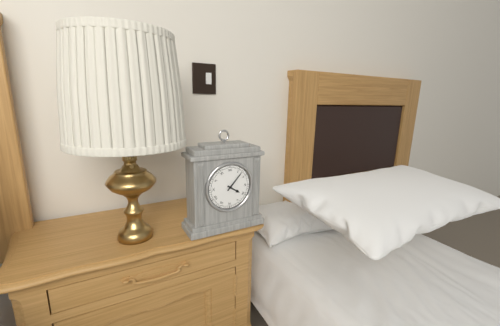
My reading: 4:07
